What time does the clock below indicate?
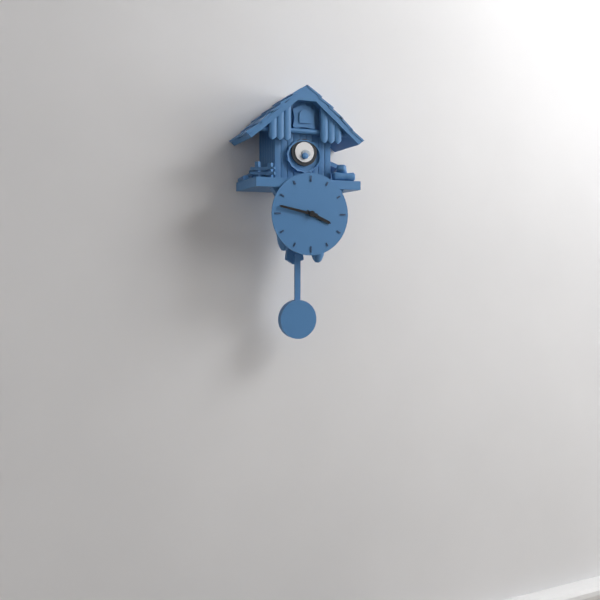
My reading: 3:47
